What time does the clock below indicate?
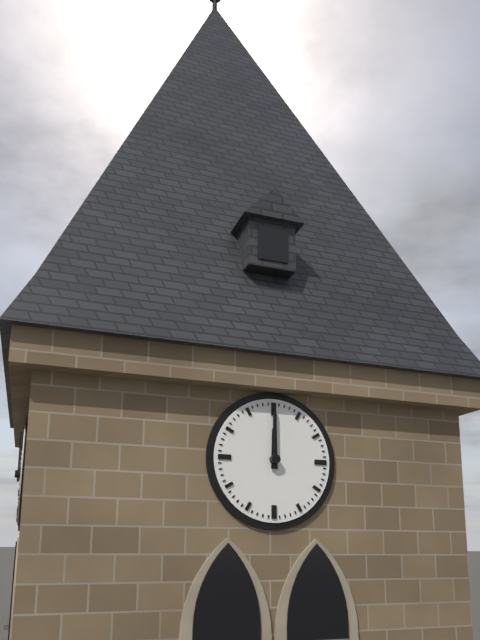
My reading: 12:00
